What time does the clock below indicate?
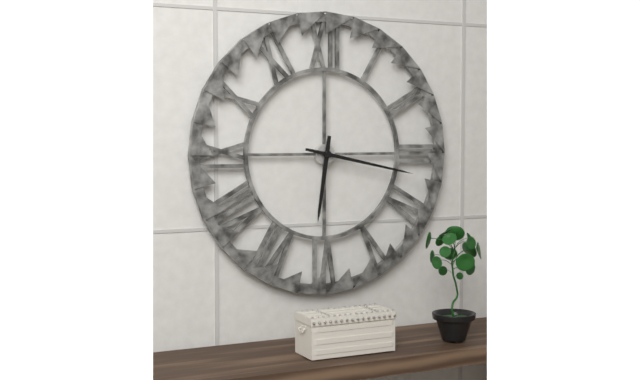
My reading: 6:17
